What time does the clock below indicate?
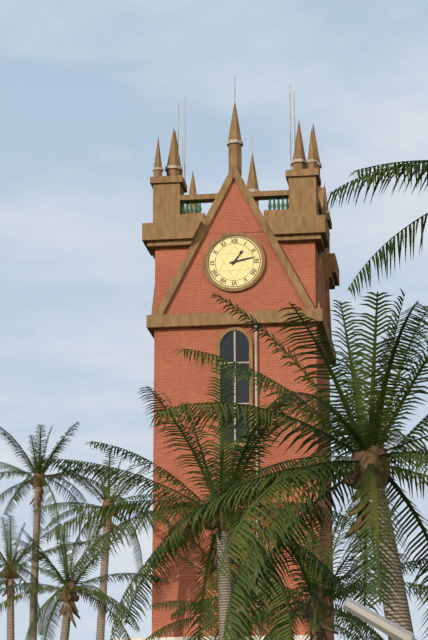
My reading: 1:13
